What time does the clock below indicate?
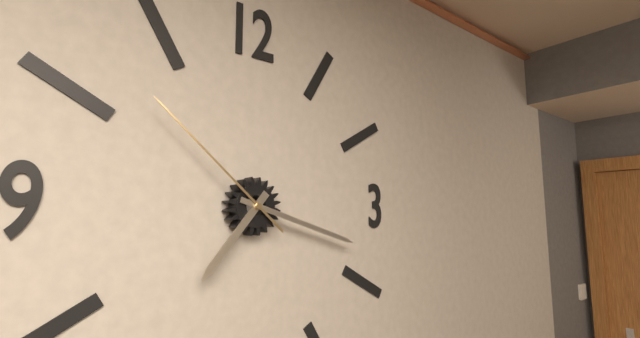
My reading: 7:18:52
